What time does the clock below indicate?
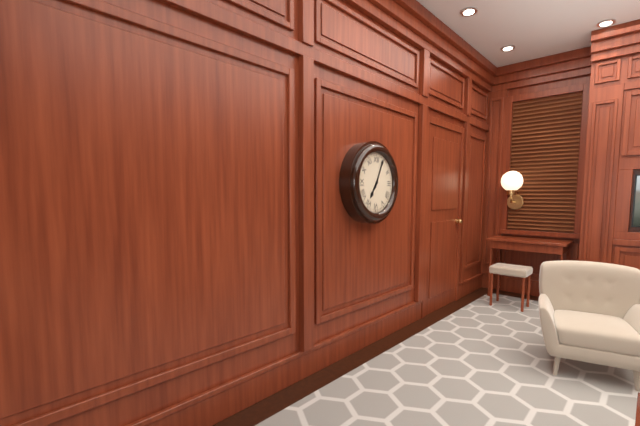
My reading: 7:04
